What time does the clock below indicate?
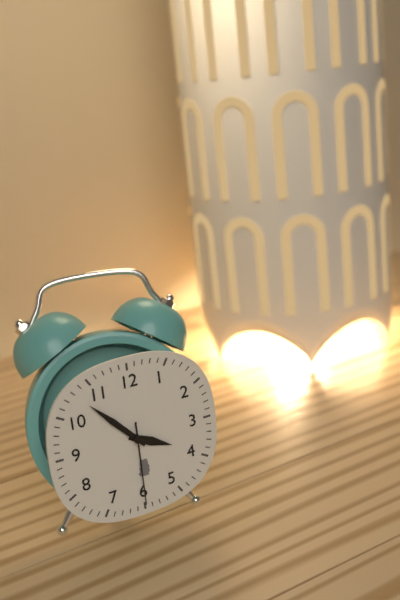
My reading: 3:53:30
